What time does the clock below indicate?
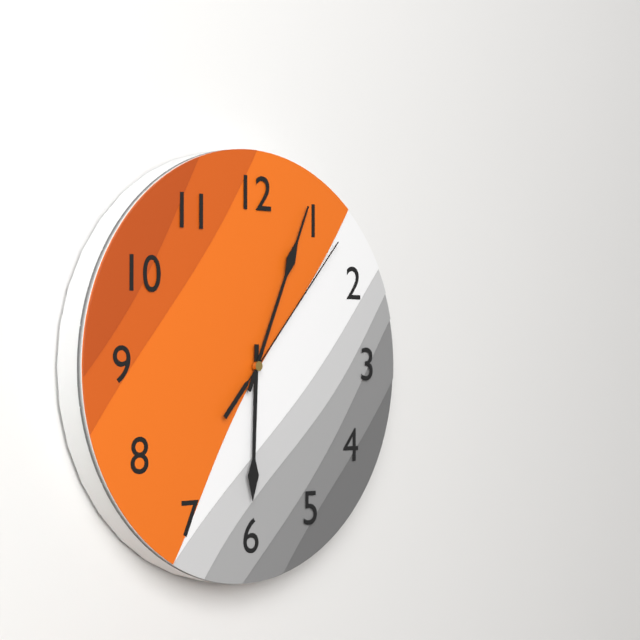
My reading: 6:04:07
